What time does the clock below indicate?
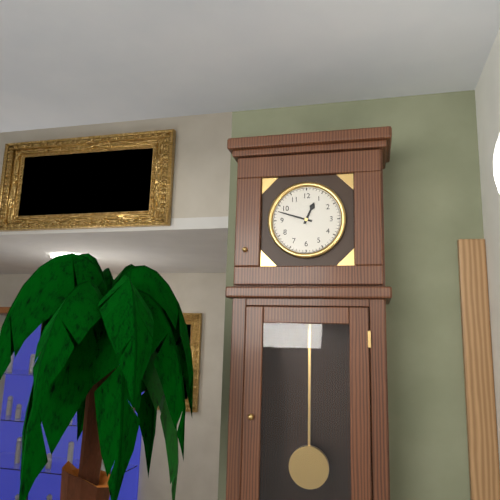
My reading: 12:48
